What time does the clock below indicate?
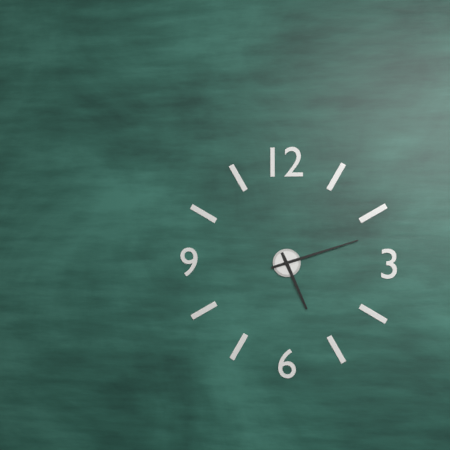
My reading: 5:12
